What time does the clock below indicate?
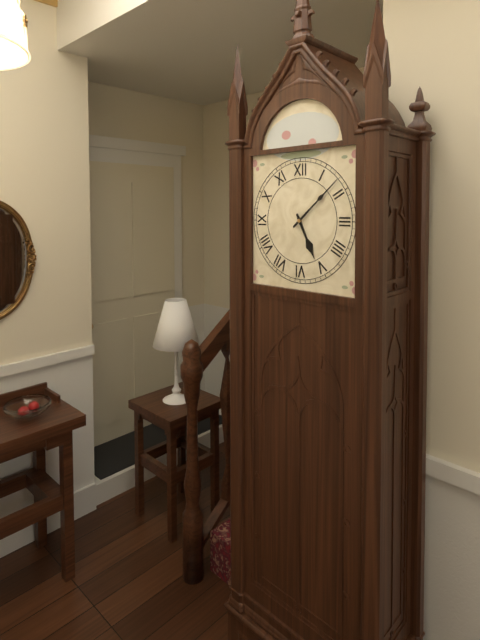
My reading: 5:08
